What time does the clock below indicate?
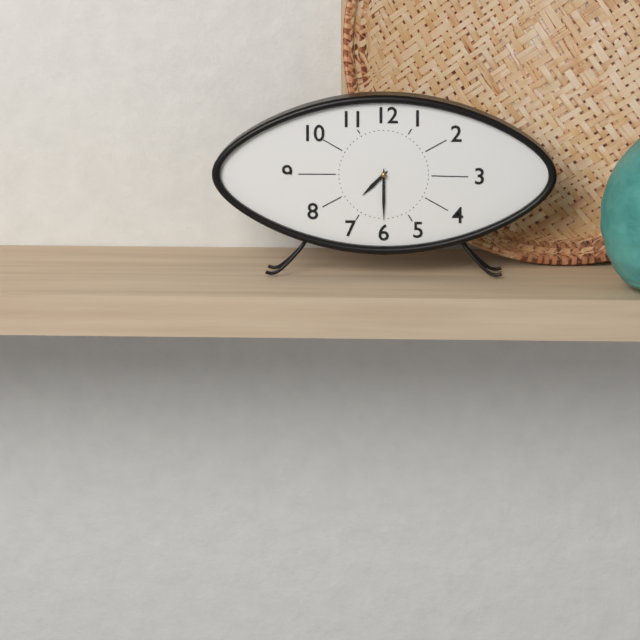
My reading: 7:30
